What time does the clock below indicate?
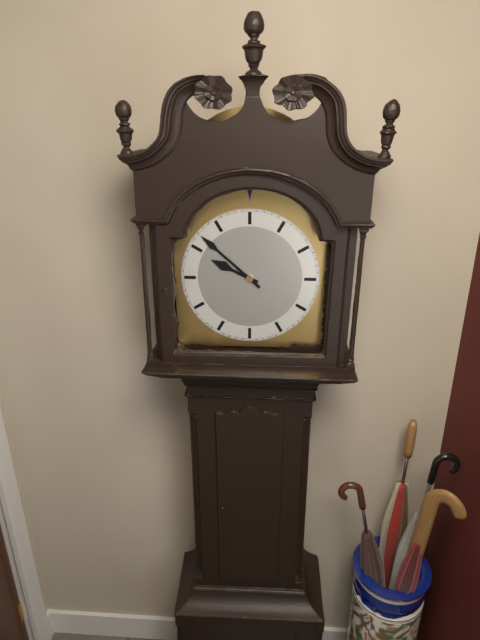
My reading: 9:52
